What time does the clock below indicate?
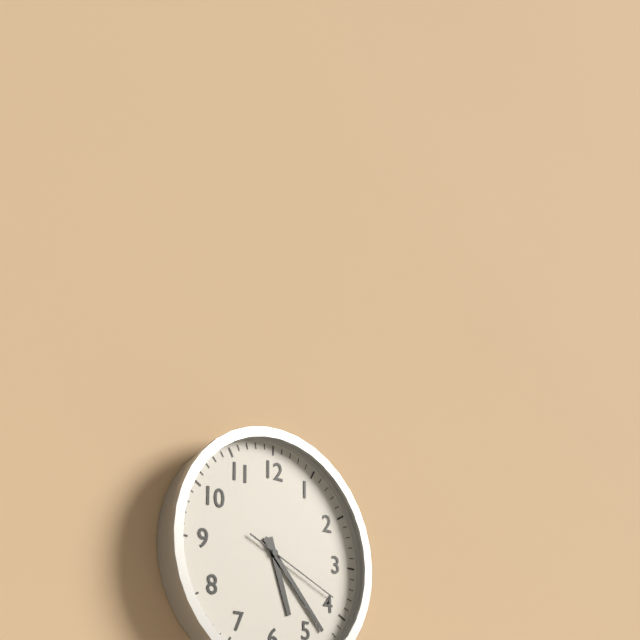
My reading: 5:23:19
